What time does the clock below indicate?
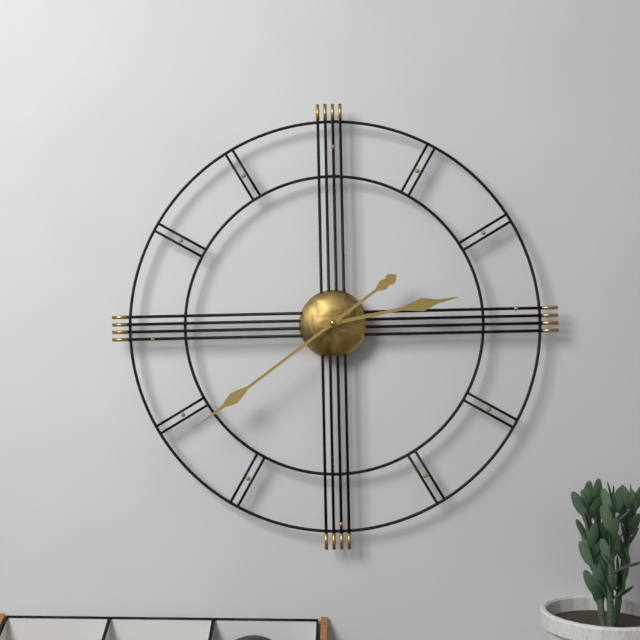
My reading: 2:39
